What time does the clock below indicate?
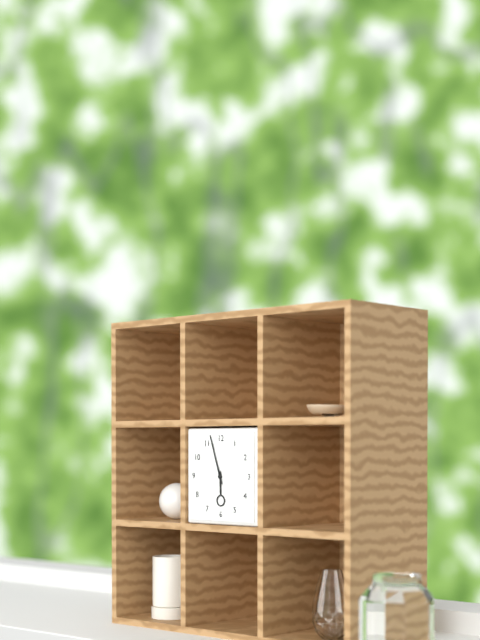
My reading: 5:57
